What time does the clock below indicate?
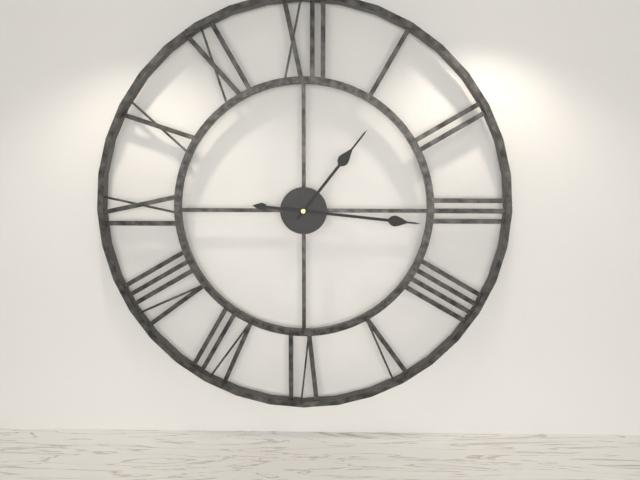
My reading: 1:16
